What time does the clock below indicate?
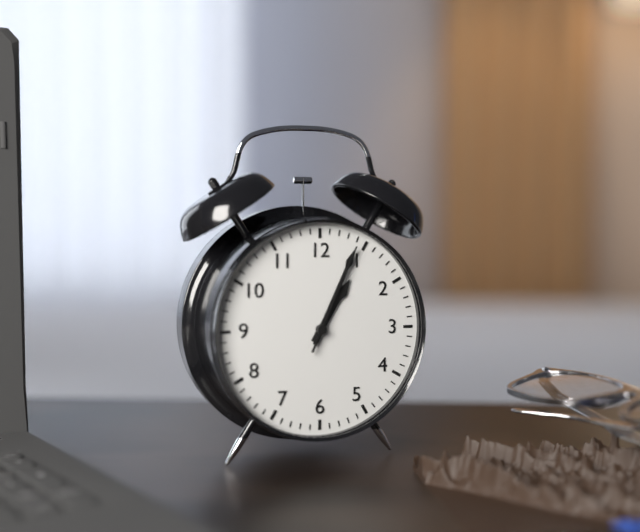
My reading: 1:04:04
